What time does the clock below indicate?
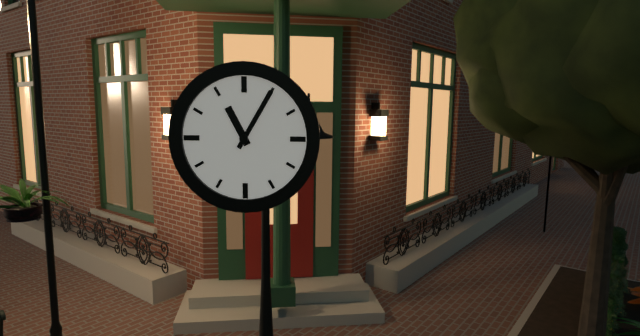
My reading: 11:05
